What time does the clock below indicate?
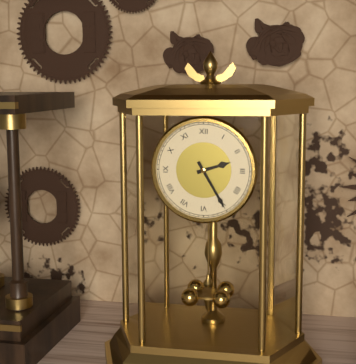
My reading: 2:25
